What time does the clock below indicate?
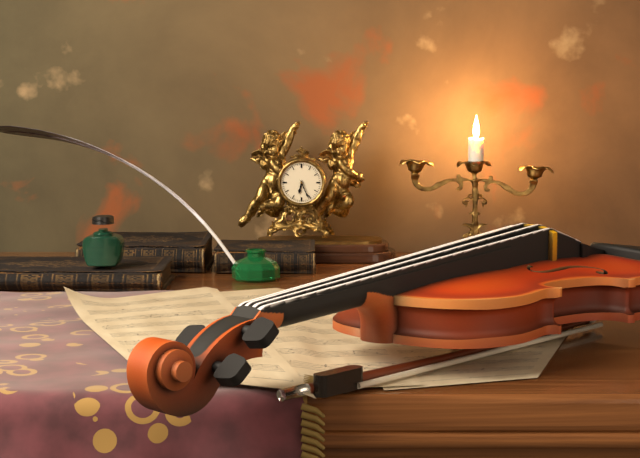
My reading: 6:26
